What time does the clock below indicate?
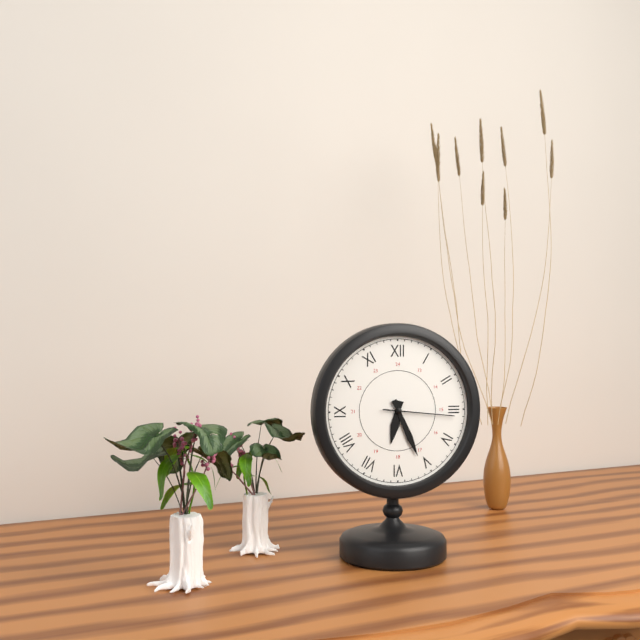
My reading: 6:26:16
